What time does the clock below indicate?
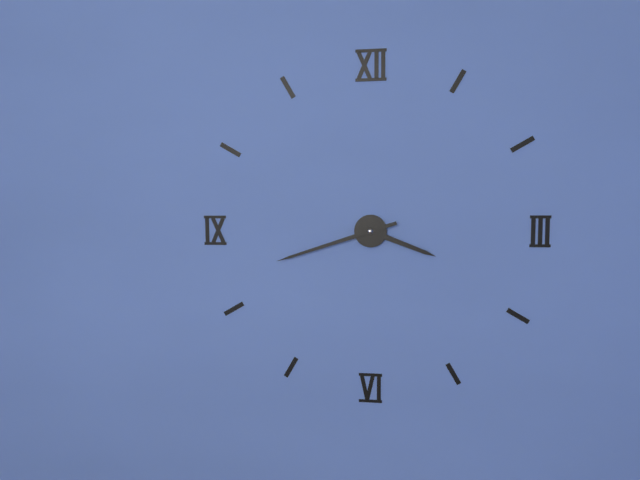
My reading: 3:42
